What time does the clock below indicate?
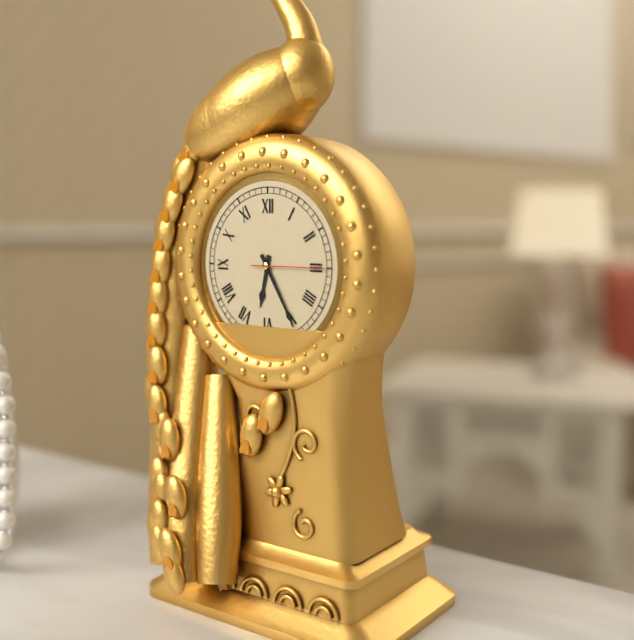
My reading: 6:25:15
